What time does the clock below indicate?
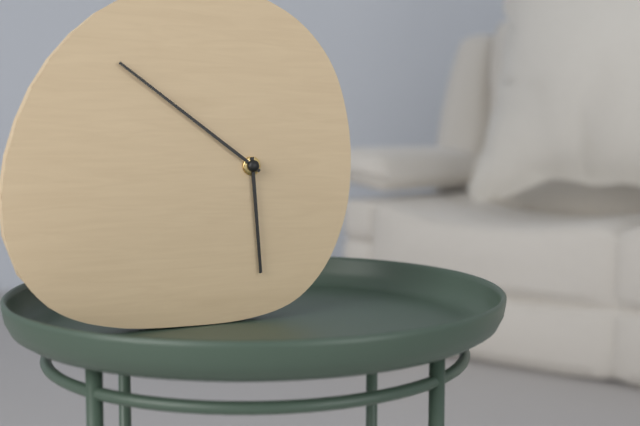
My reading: 5:51
